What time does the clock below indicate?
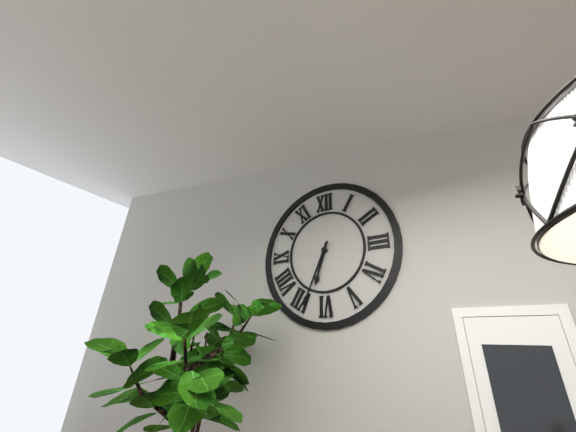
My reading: 6:34
